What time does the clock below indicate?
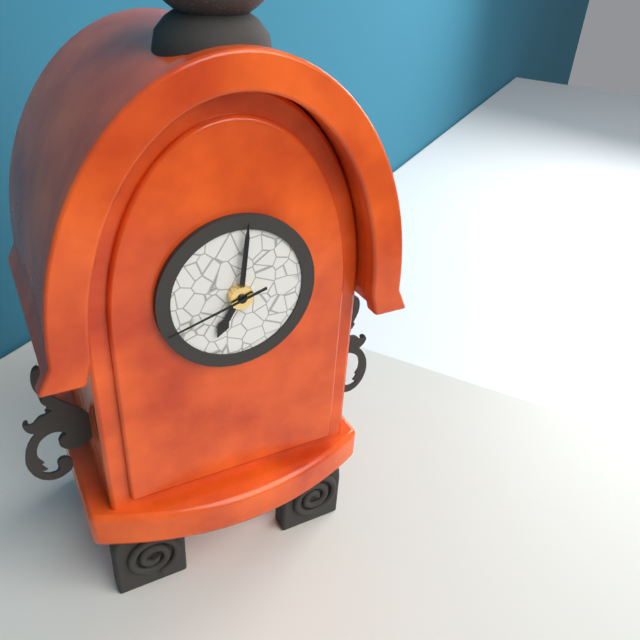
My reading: 7:01:42
